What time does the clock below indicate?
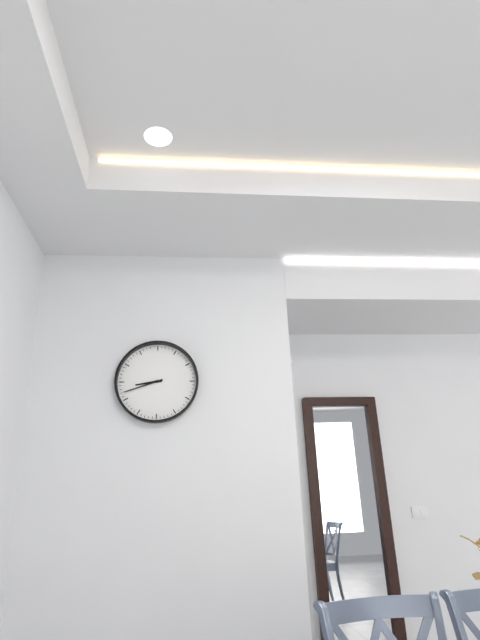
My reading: 8:42
